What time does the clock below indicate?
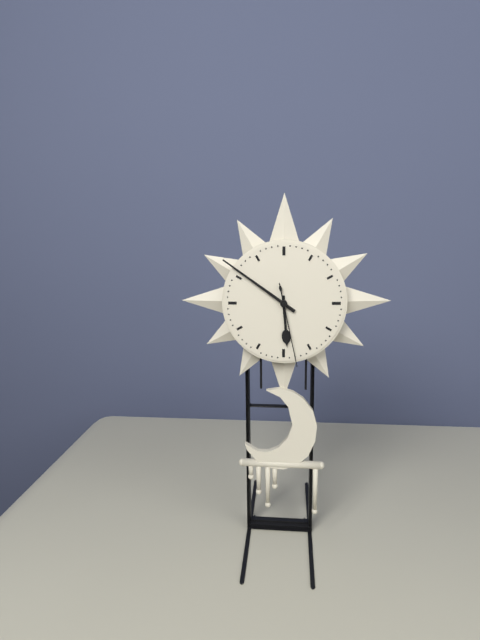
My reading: 5:51:28
